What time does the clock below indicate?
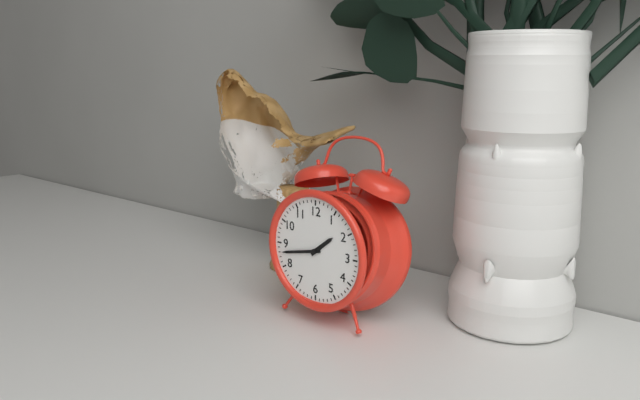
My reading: 1:43
